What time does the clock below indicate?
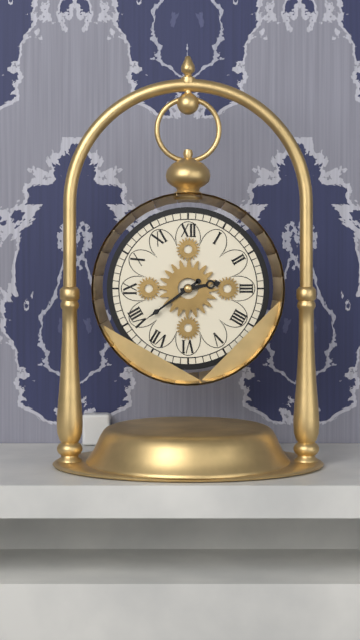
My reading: 2:39
